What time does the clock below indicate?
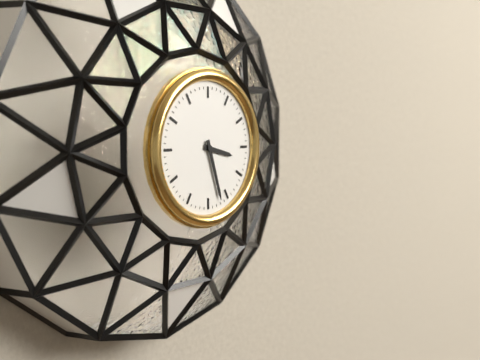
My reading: 3:27
